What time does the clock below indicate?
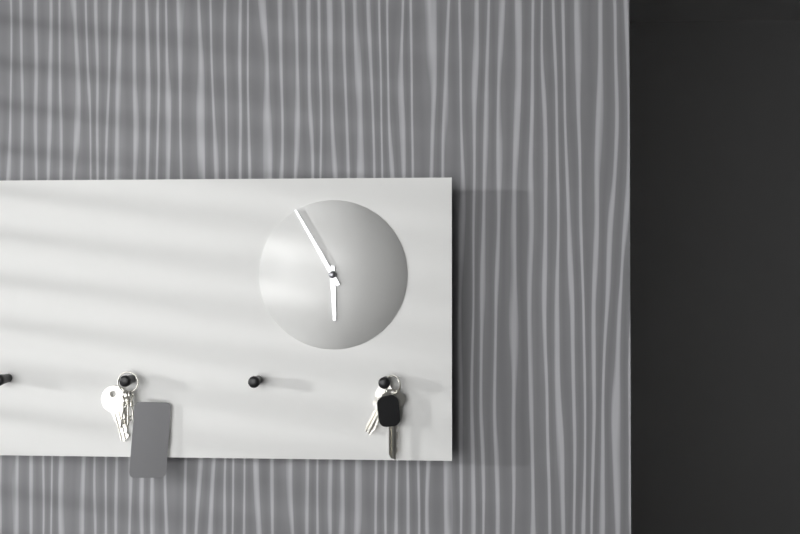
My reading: 5:55
